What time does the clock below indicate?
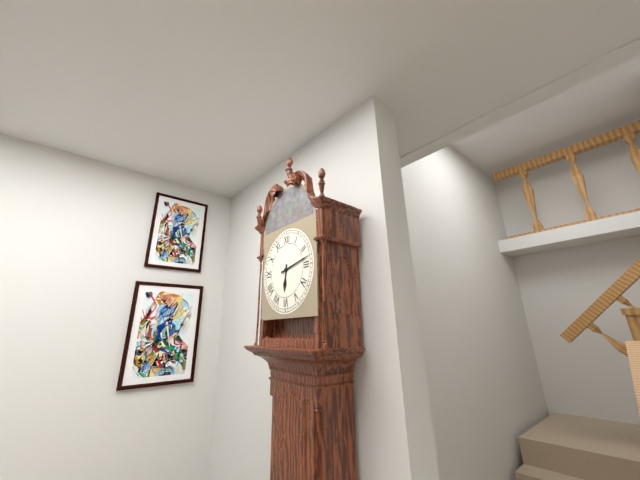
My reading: 6:13
